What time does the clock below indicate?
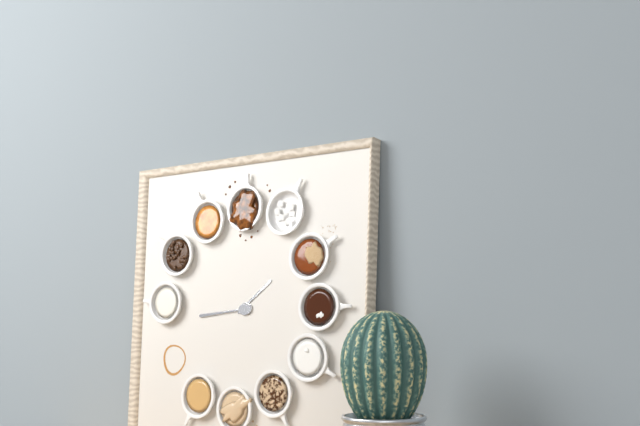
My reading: 1:44
